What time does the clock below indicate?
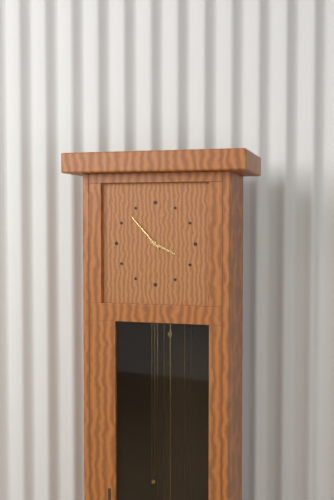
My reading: 3:53
